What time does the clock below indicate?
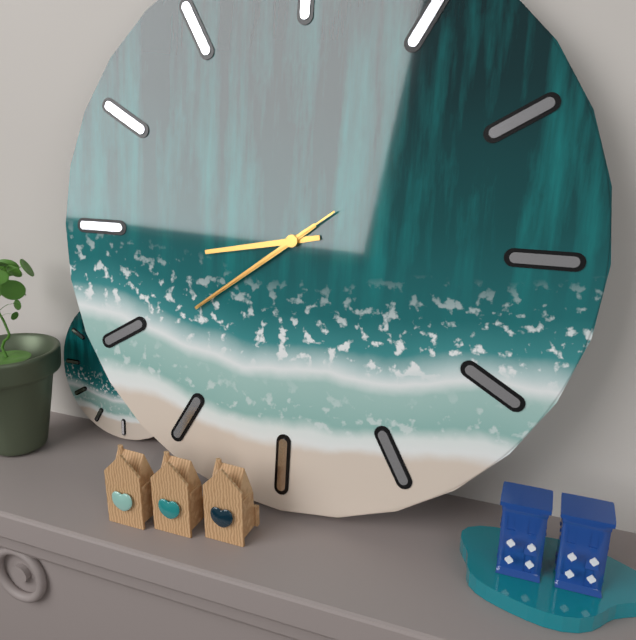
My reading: 8:39:39
